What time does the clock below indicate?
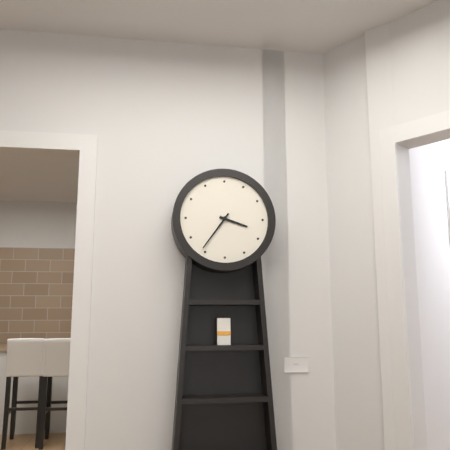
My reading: 3:36
